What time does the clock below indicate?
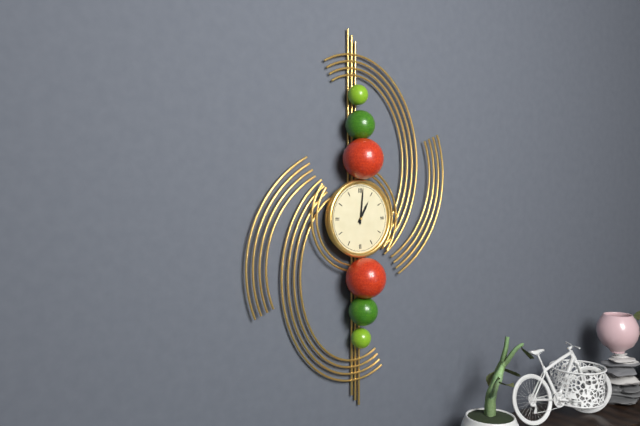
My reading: 1:01
